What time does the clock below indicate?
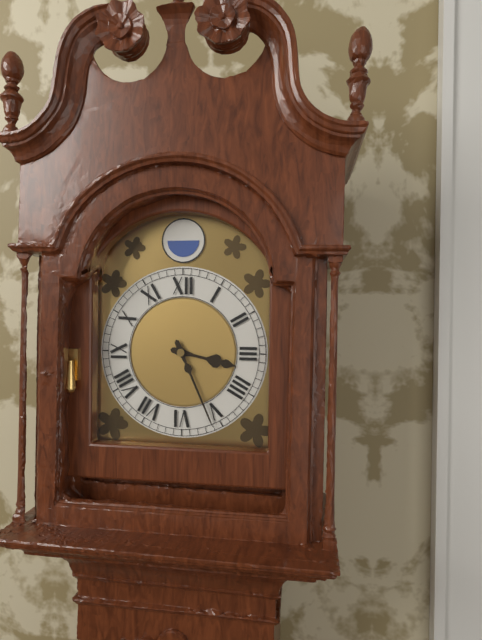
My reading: 3:26
